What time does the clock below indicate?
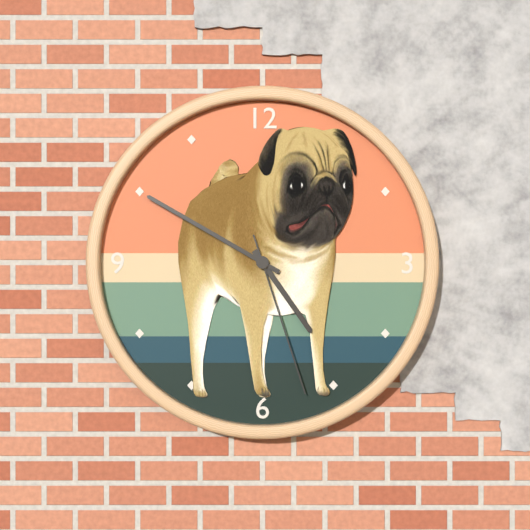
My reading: 4:50:27
